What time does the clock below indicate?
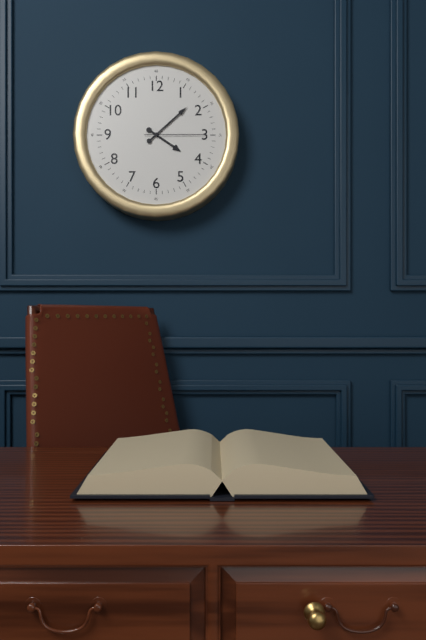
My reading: 4:08:15
